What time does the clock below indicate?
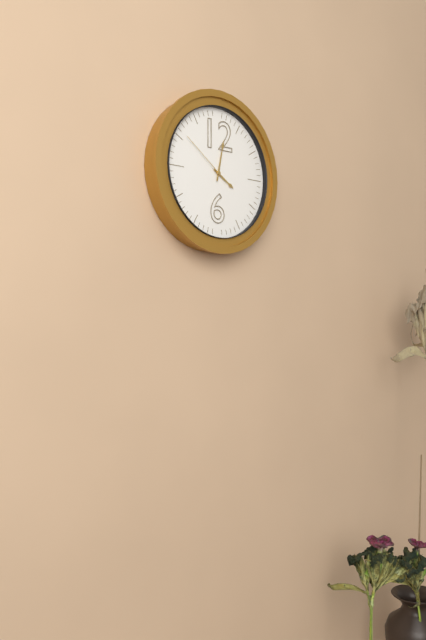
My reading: 4:02:51
